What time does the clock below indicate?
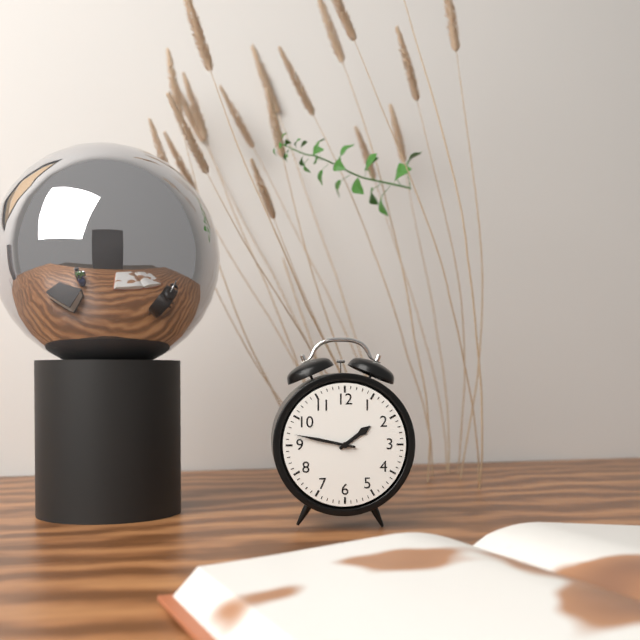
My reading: 1:47
